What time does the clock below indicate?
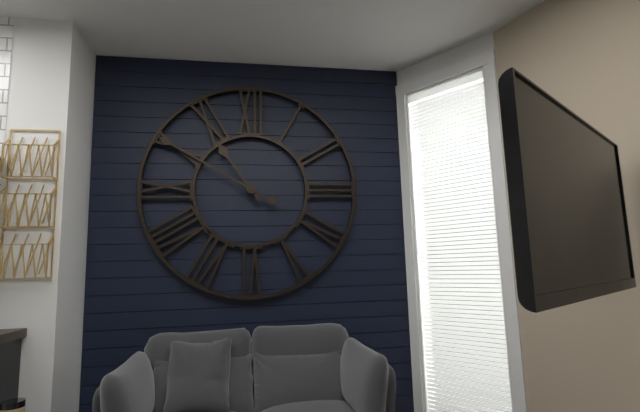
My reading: 10:50
